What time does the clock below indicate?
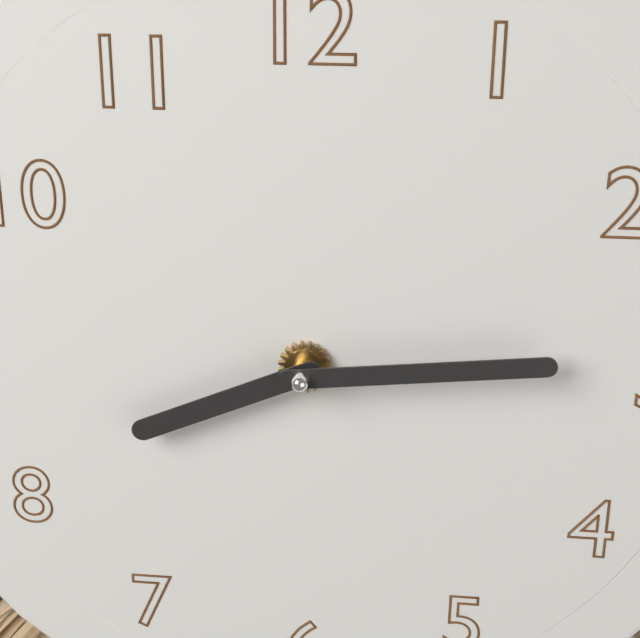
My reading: 8:14
